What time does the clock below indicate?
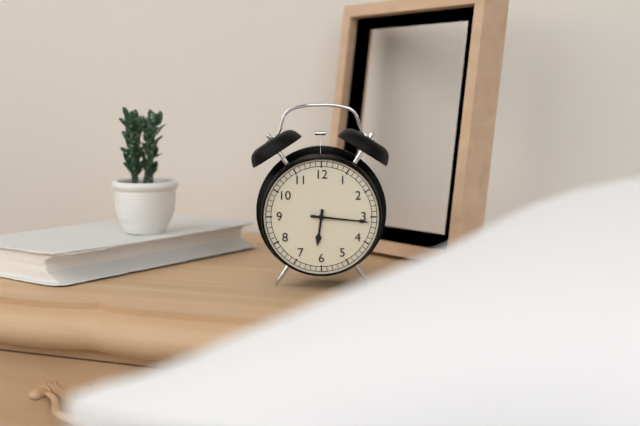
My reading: 6:16
